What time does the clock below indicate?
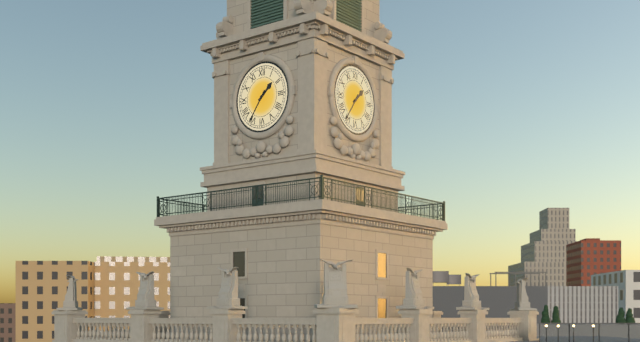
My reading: 1:36
